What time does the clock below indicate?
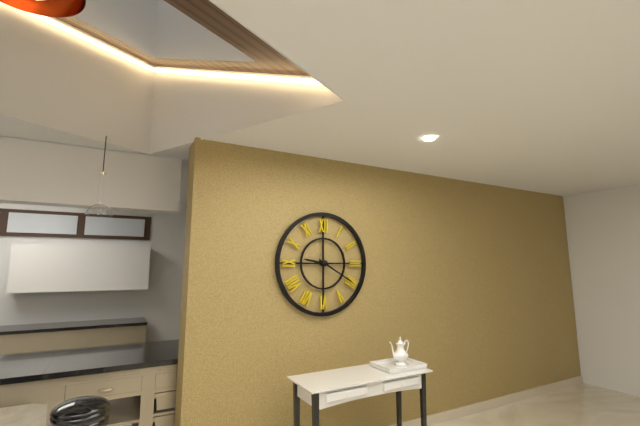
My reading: 9:20
